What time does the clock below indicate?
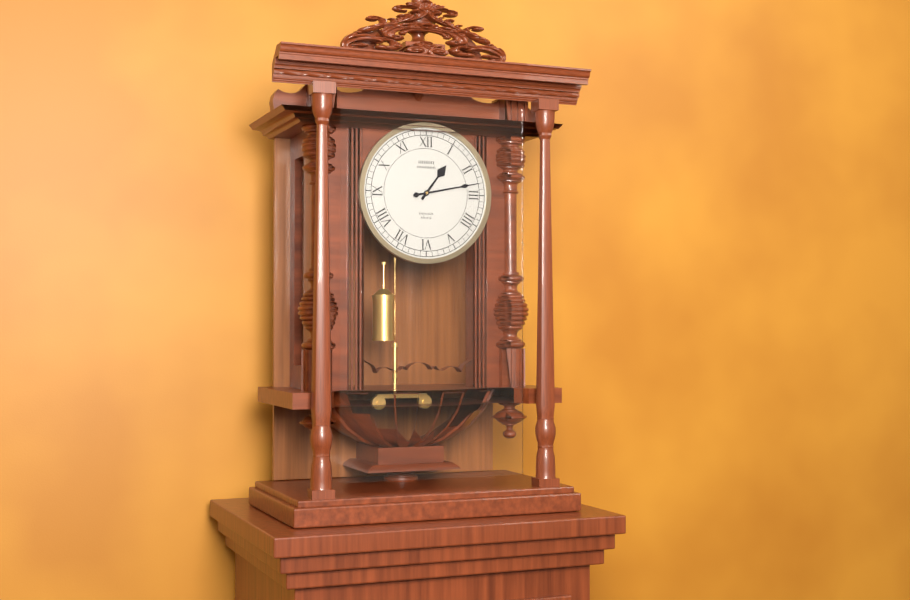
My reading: 1:13
